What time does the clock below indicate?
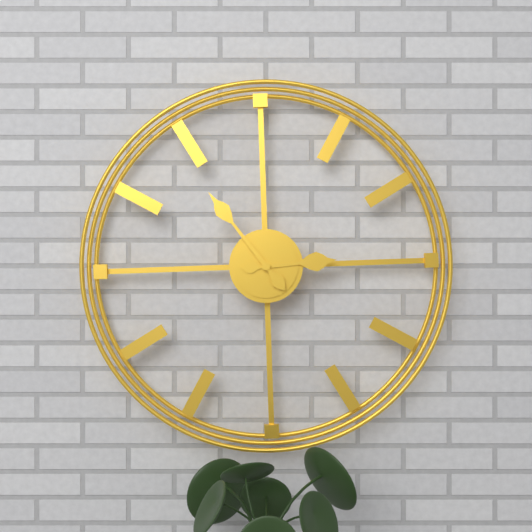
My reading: 2:54
